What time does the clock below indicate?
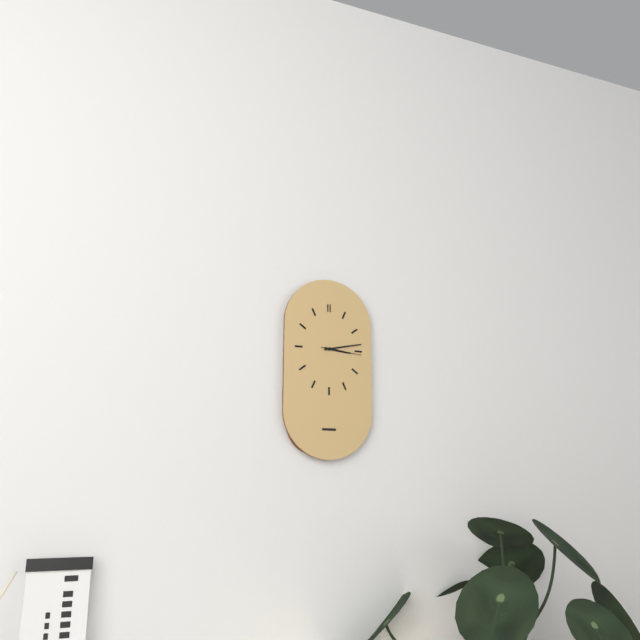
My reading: 3:13
